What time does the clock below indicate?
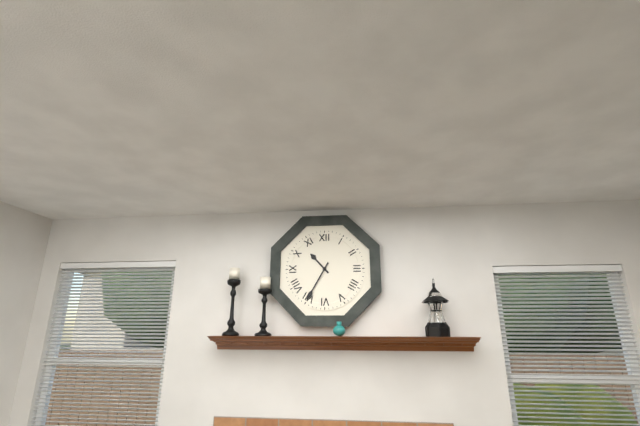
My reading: 10:35
